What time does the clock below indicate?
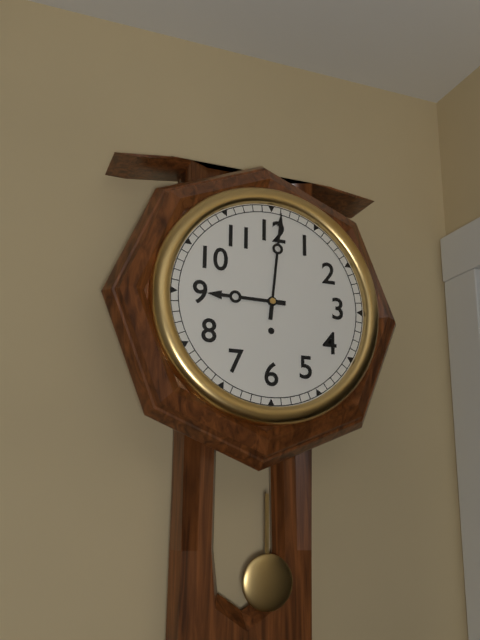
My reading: 9:01
